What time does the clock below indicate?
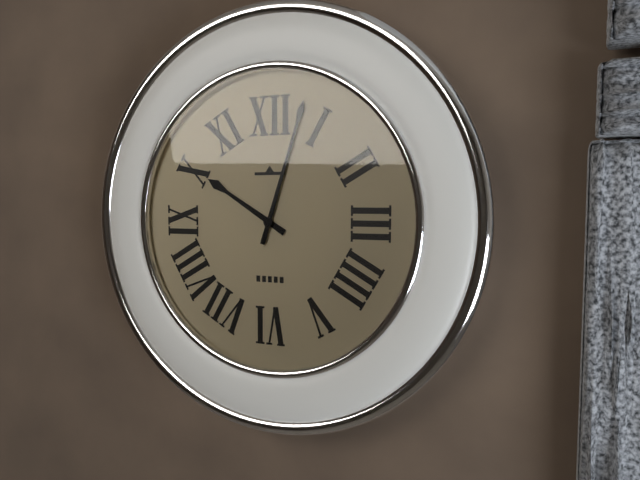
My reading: 10:03
